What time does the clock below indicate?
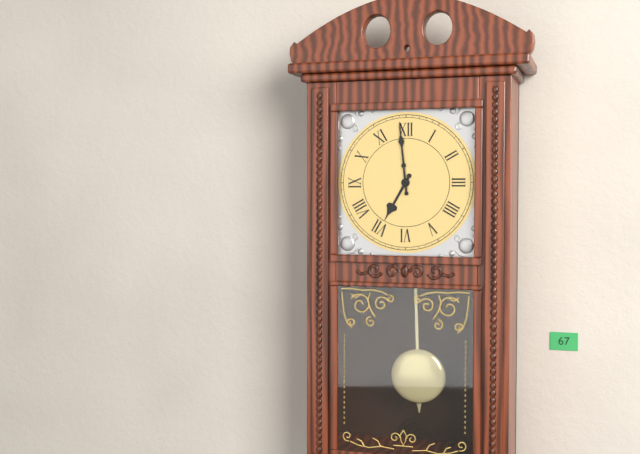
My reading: 6:59
